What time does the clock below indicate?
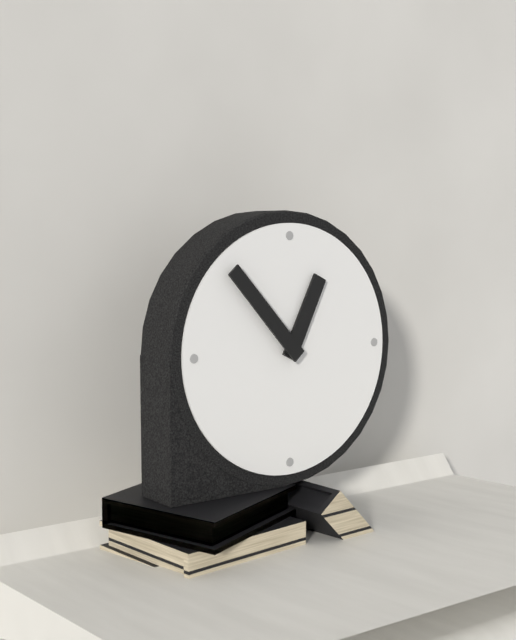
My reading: 12:53
